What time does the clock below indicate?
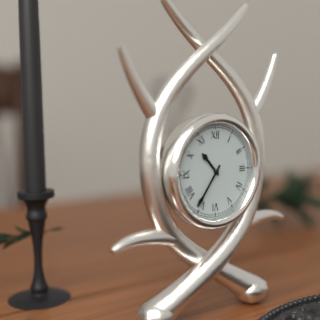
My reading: 10:36
